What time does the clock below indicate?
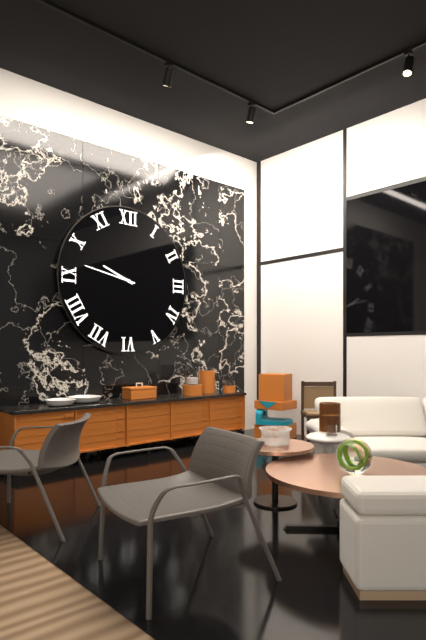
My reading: 9:47
